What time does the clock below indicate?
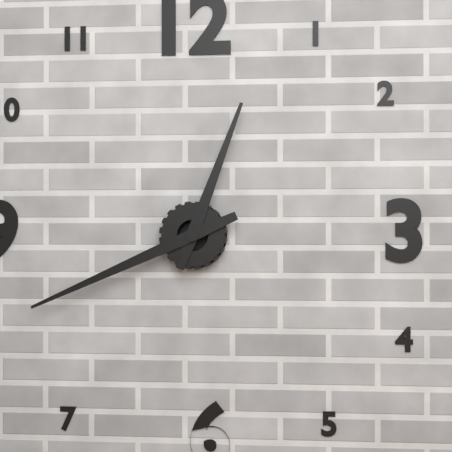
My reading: 12:41
